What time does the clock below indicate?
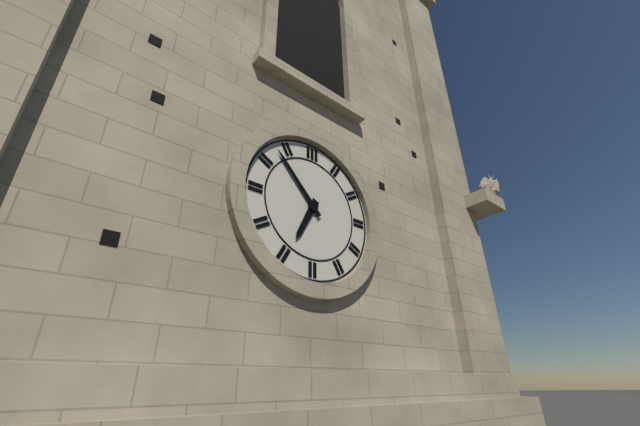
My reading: 6:53
